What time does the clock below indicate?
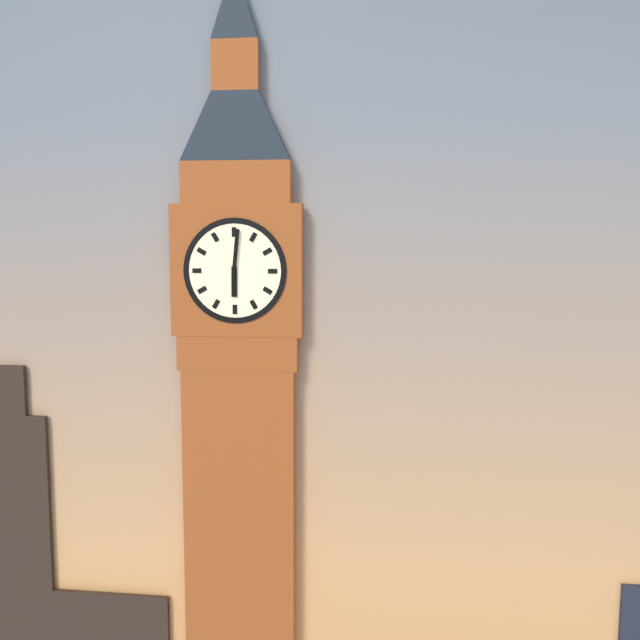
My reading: 6:01
